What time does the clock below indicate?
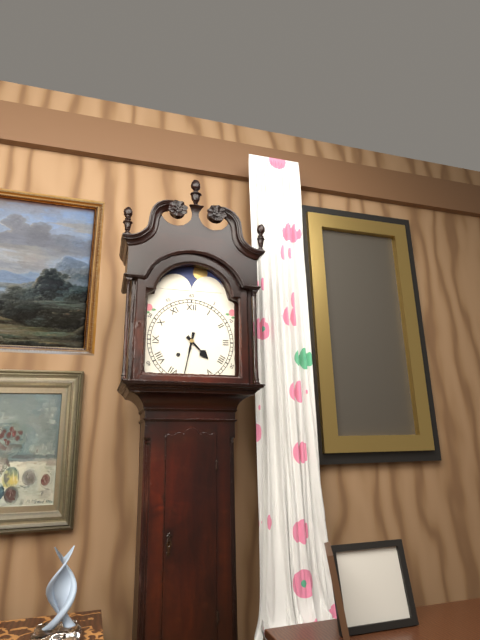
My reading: 4:32
